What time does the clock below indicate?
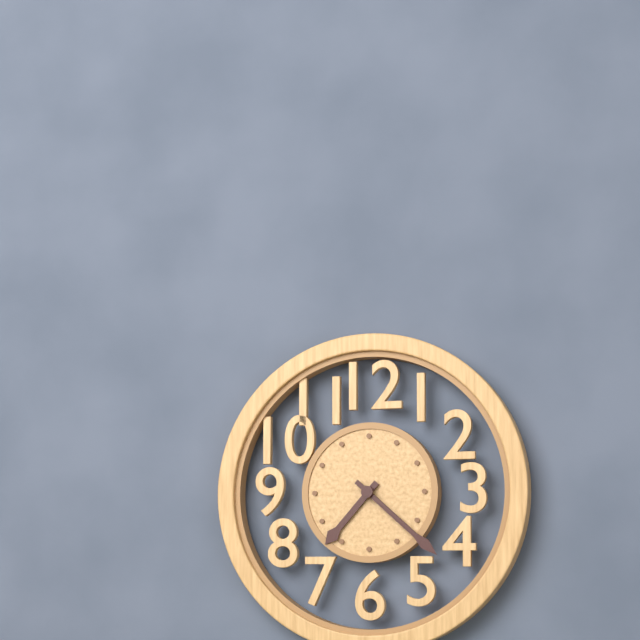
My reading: 7:22
